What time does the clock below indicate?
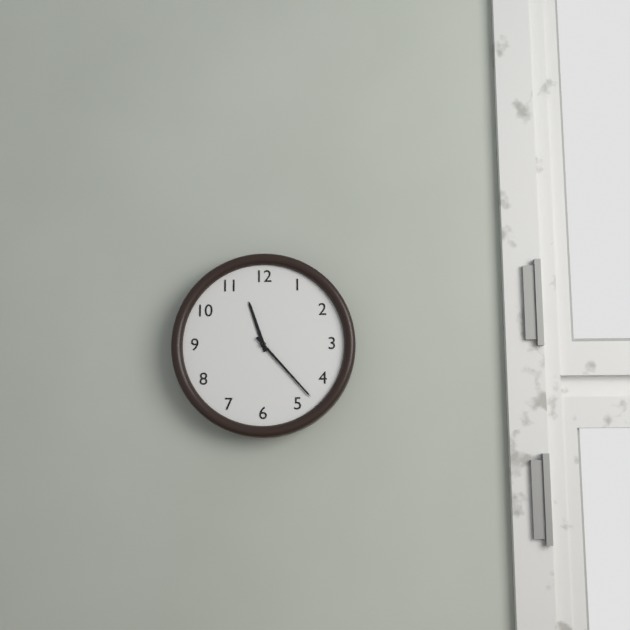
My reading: 11:23
